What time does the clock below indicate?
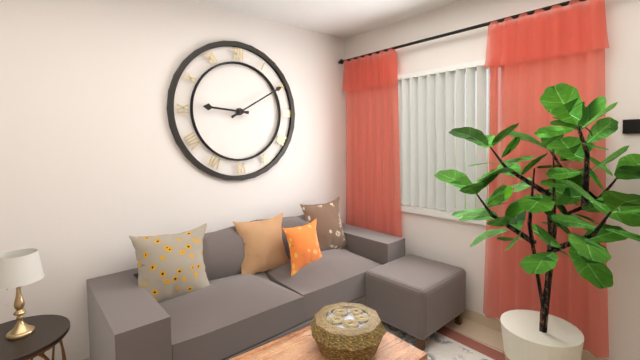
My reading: 9:10
